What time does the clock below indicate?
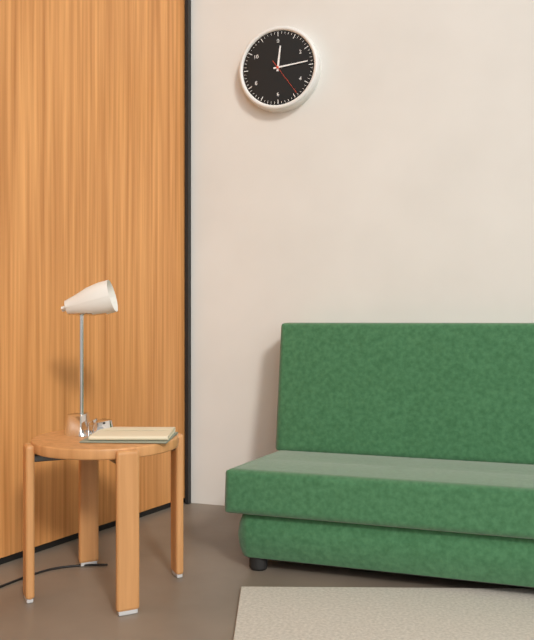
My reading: 12:14
